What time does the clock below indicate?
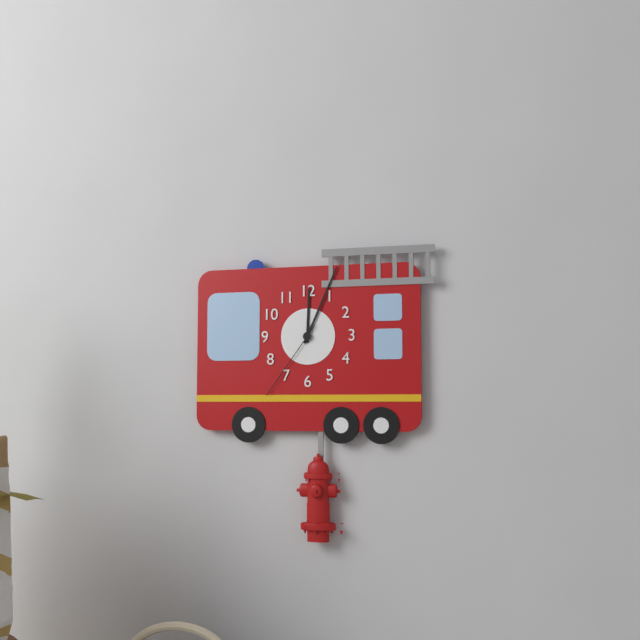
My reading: 12:04:36
